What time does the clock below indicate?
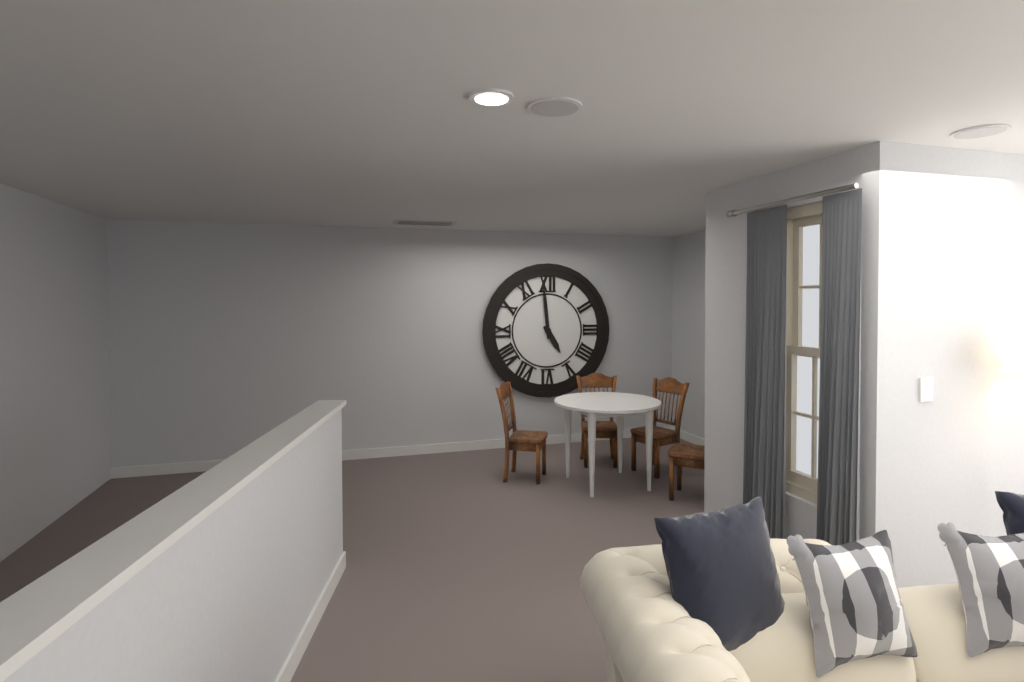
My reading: 4:59
